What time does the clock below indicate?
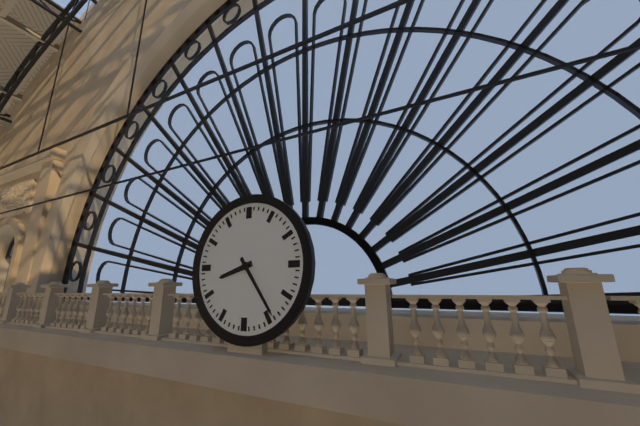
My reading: 8:24
